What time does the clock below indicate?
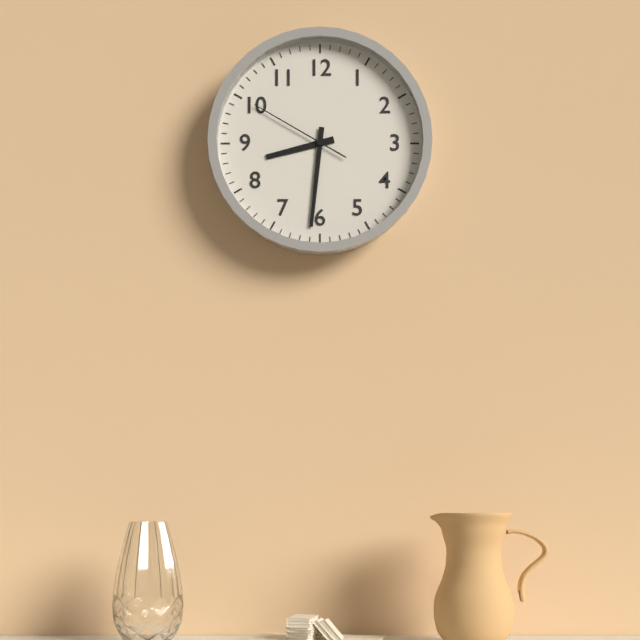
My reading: 8:31:50
